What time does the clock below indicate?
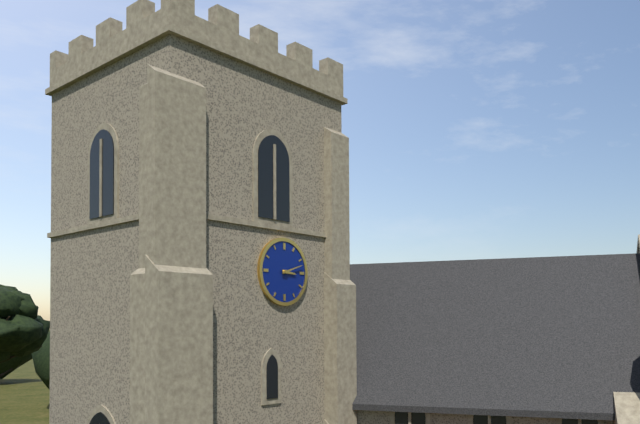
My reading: 3:12
